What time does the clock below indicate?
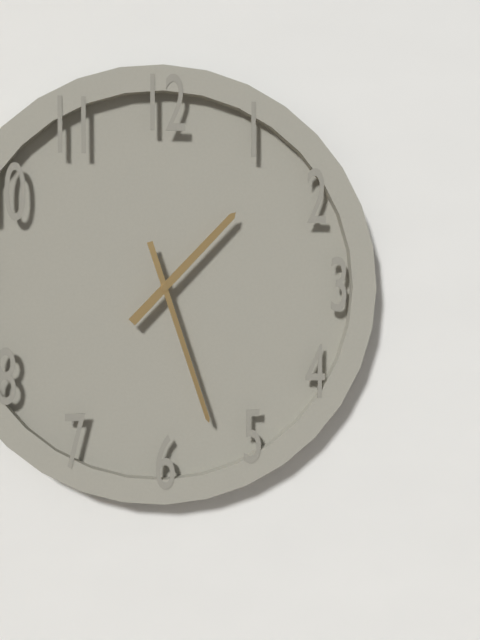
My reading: 1:27
